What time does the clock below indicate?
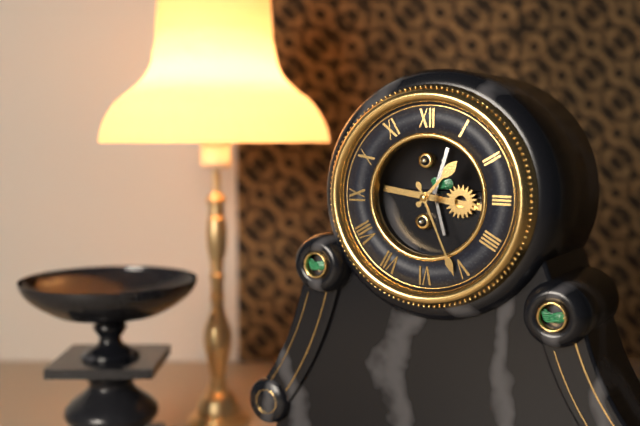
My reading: 1:26
